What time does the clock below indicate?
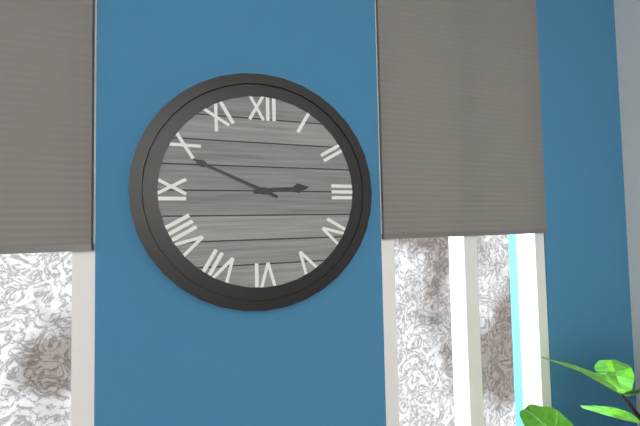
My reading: 2:49
